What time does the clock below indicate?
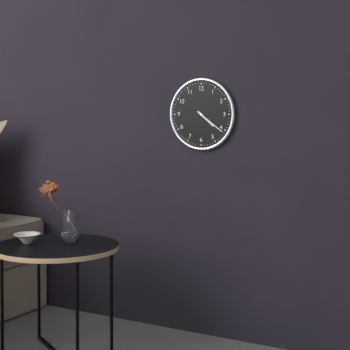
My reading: 4:21
